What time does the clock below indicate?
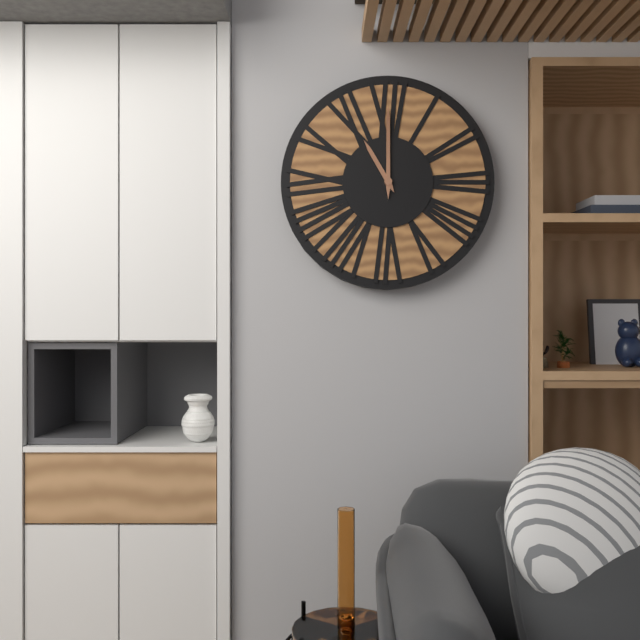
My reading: 11:00
